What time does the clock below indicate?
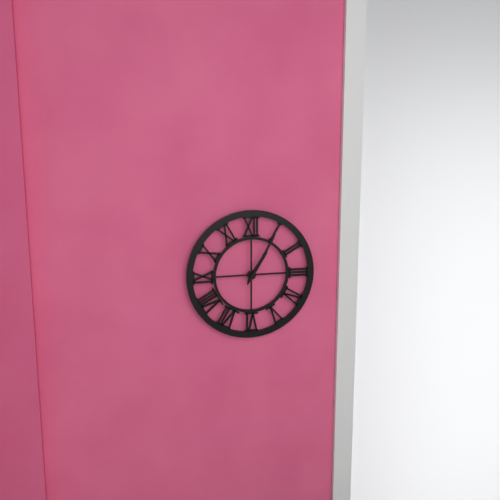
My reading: 1:05
